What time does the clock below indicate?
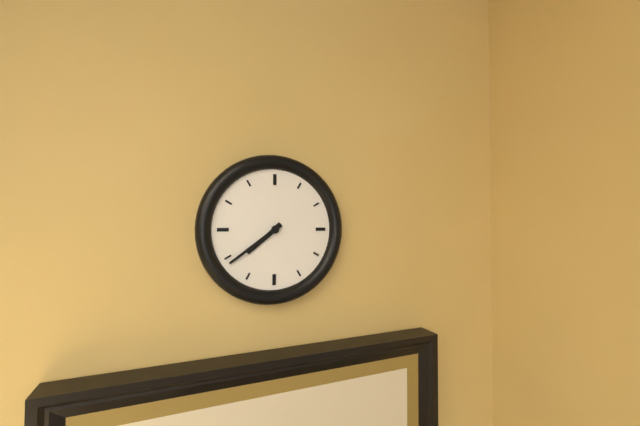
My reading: 7:39
